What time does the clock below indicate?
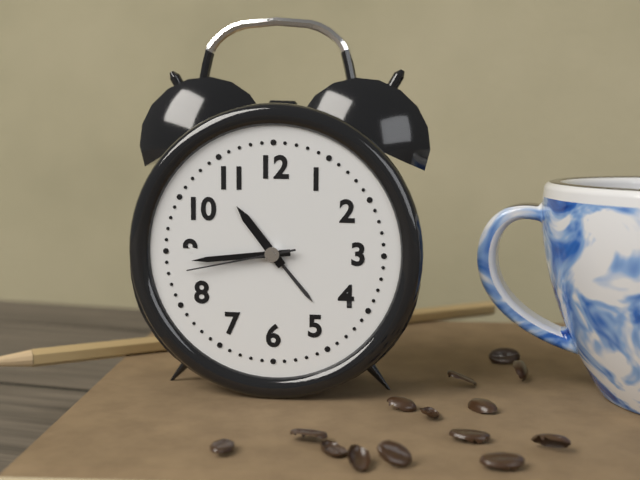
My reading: 10:44:43
